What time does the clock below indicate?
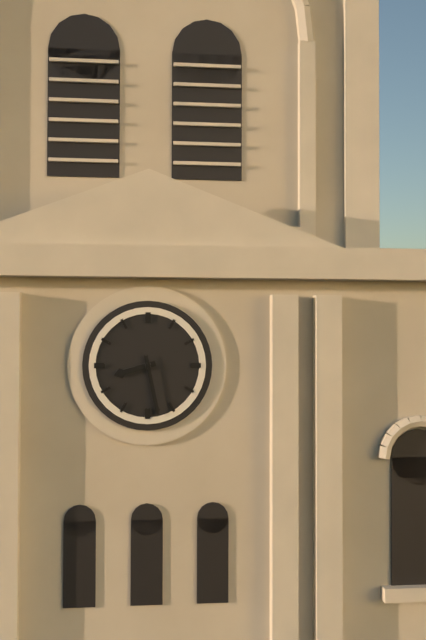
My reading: 8:28
